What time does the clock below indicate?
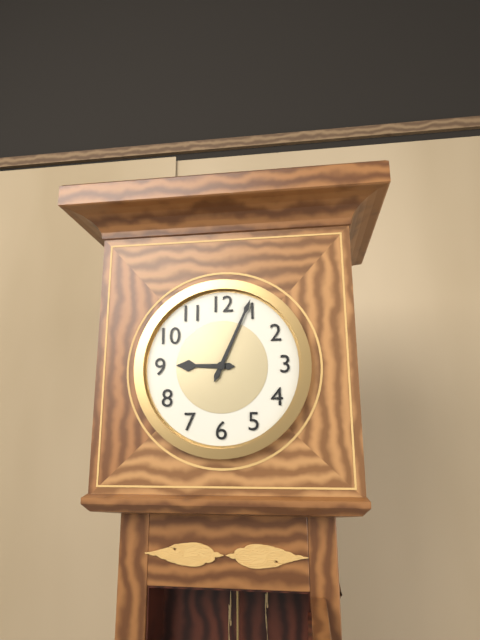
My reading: 9:04
